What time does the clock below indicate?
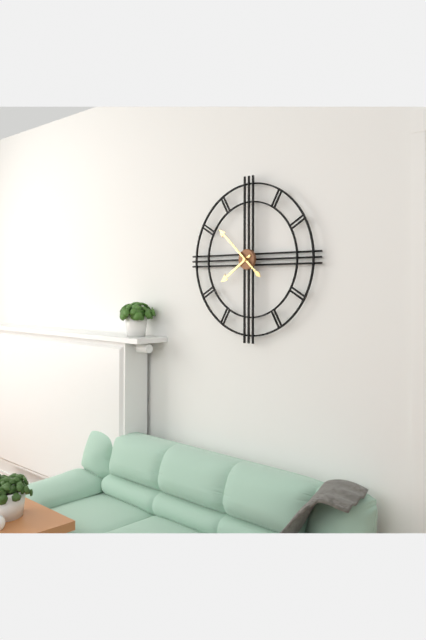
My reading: 7:52
